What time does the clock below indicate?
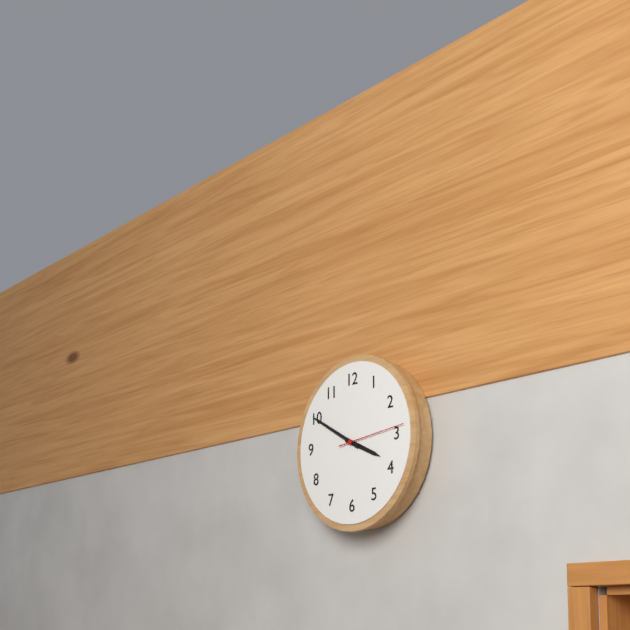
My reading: 3:50:14
